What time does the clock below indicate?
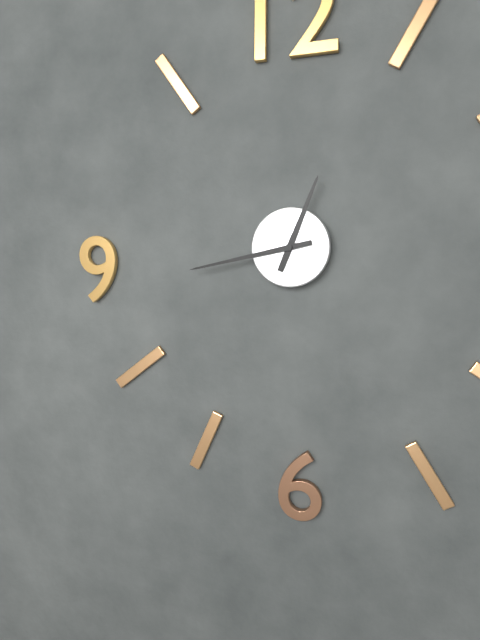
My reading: 12:43
